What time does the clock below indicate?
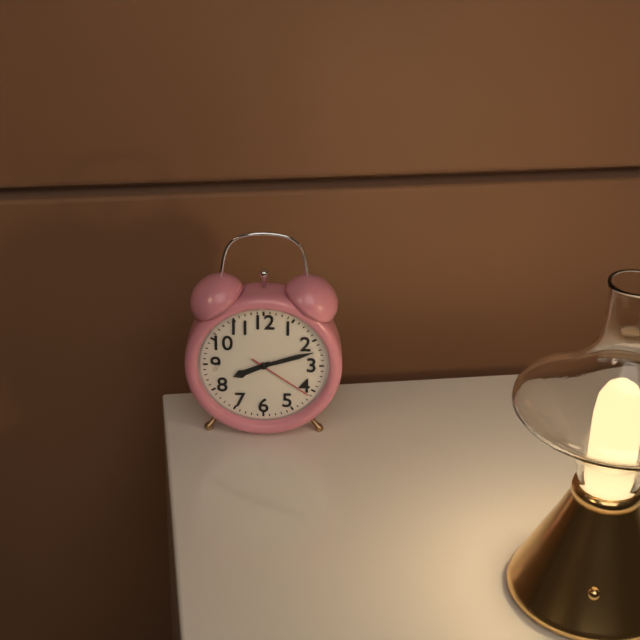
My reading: 8:12:21
